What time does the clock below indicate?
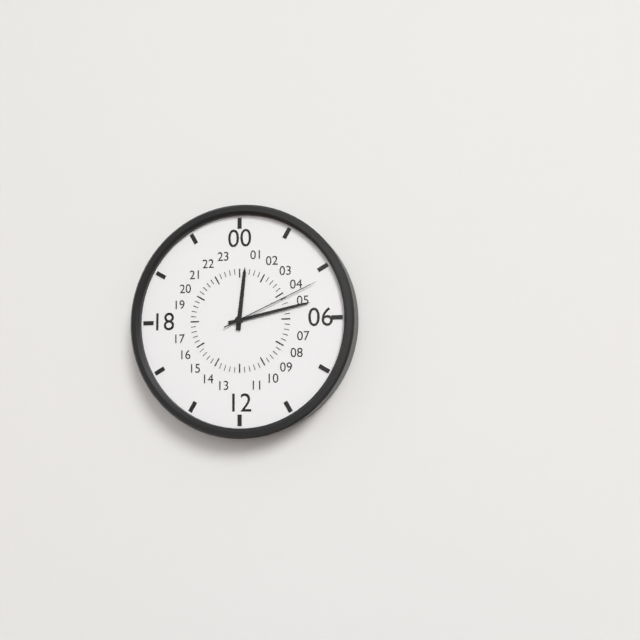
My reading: 12:13:11
